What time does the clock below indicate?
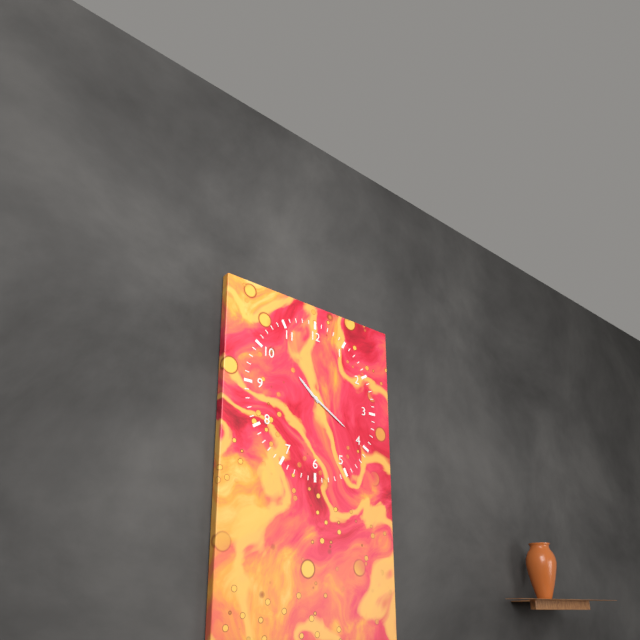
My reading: 10:20
